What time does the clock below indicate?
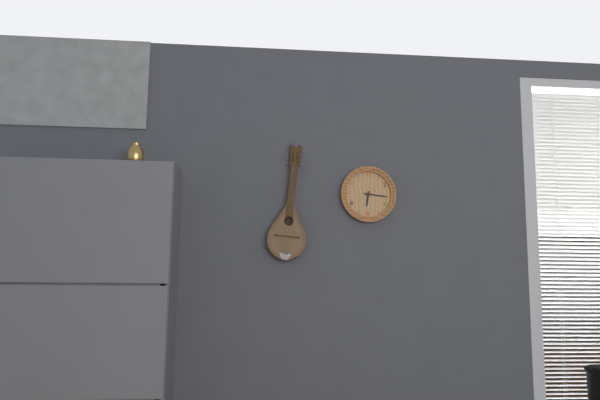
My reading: 6:16
